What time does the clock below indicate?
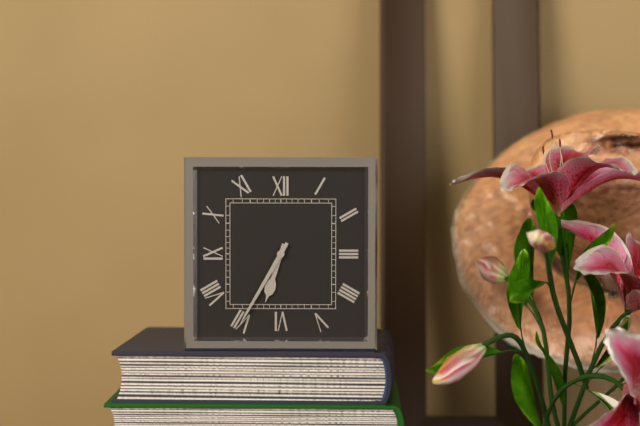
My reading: 6:35
